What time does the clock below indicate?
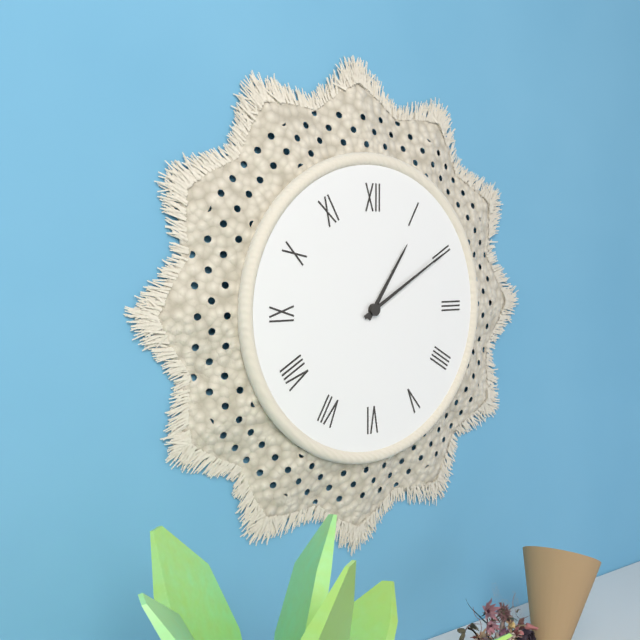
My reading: 1:10
